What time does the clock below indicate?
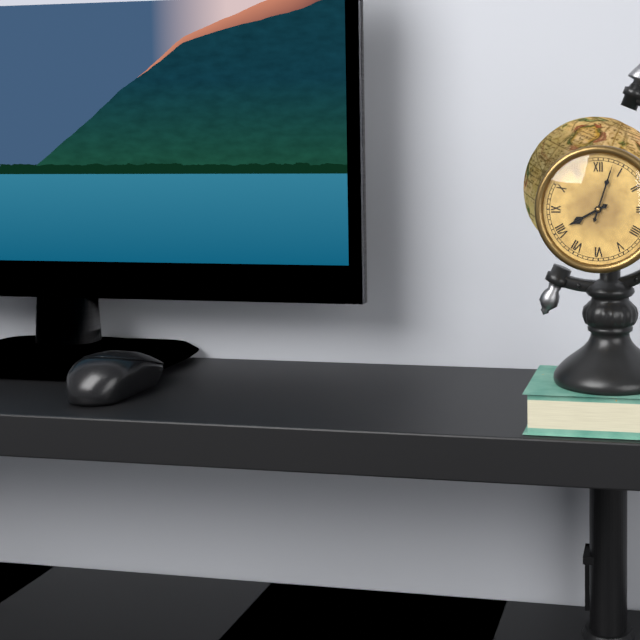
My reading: 8:03
